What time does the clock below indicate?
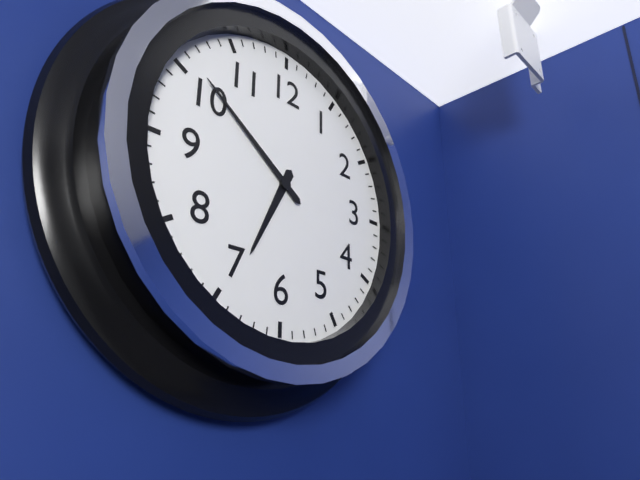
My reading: 6:51
